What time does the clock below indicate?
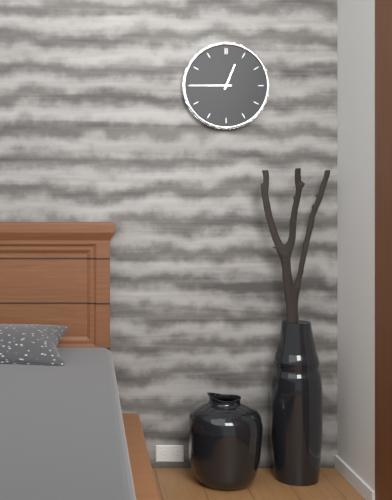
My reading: 12:45
